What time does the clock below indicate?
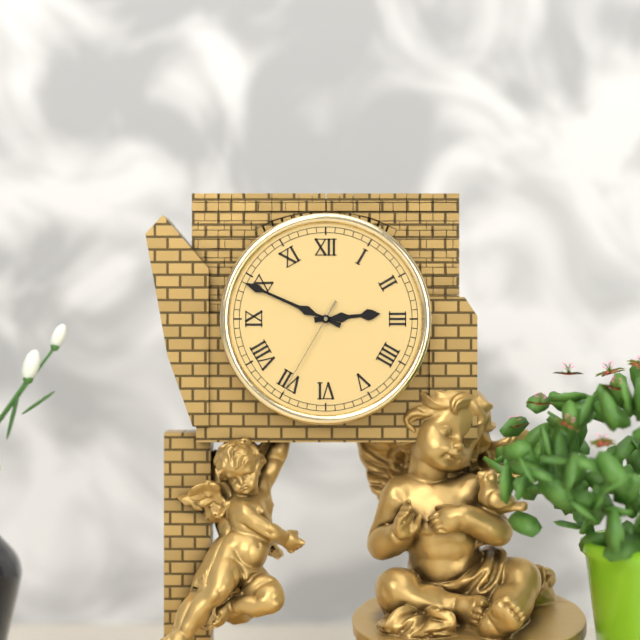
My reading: 2:49:35
